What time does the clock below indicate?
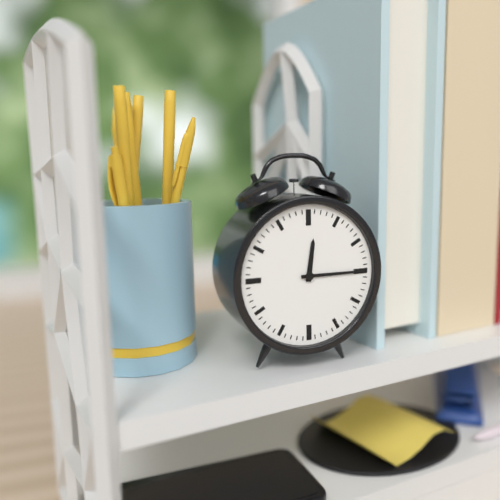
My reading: 12:15
